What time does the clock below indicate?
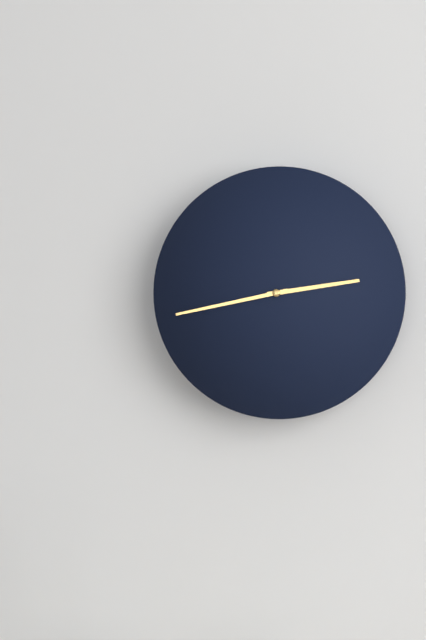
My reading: 2:43
